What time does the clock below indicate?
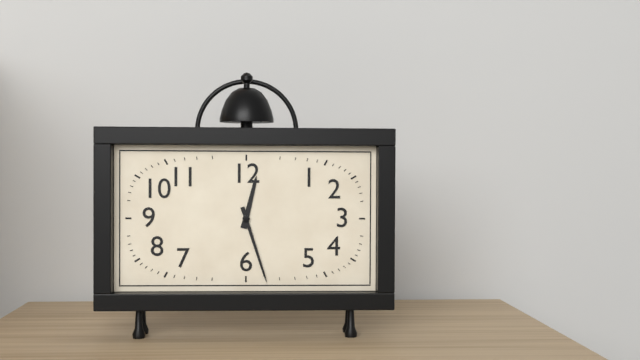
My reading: 12:27
